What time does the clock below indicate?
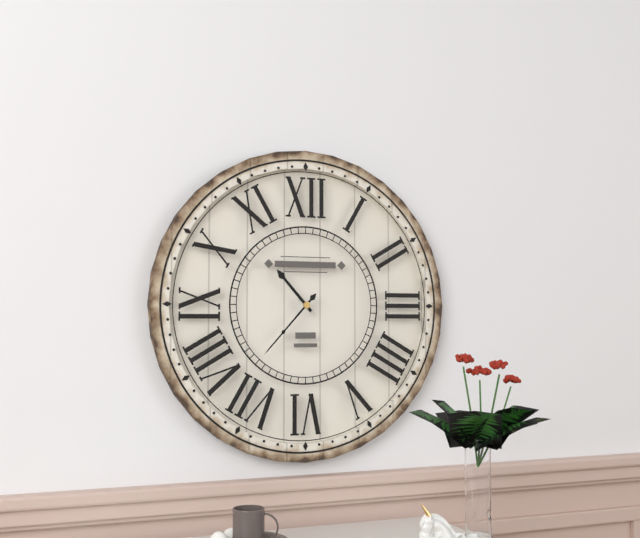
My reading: 10:37
